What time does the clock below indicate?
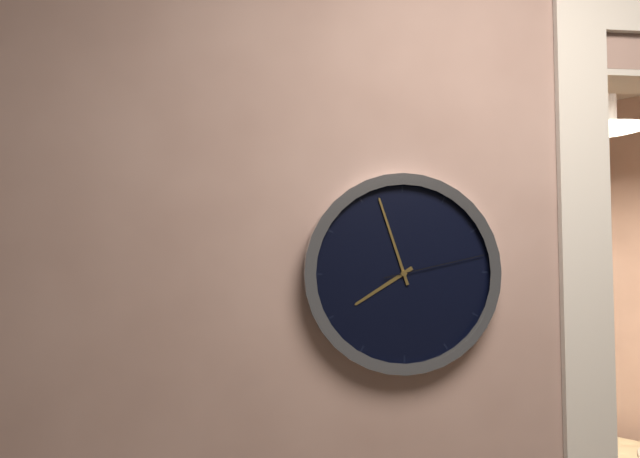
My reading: 7:57:13
